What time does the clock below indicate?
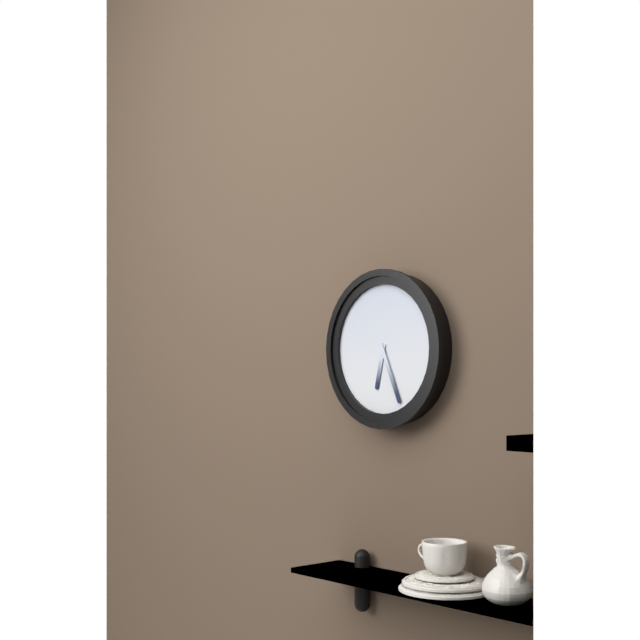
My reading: 6:26
